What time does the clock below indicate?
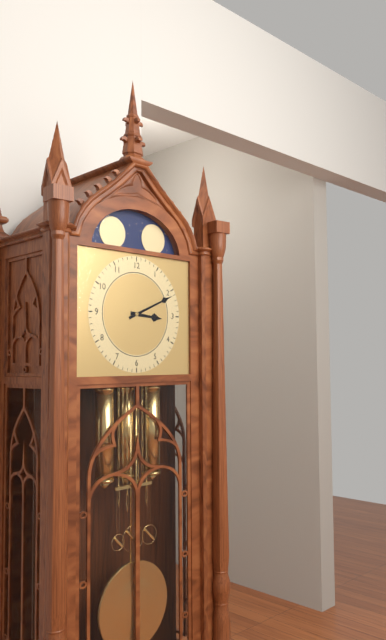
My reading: 3:11
